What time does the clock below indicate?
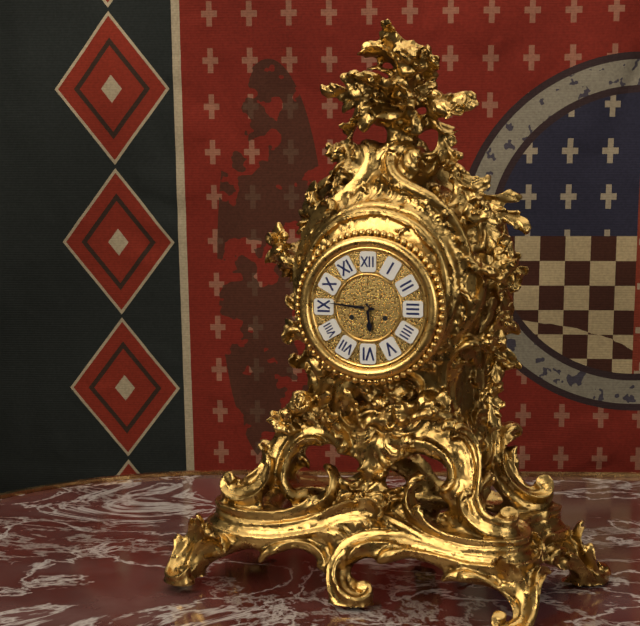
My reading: 5:46
